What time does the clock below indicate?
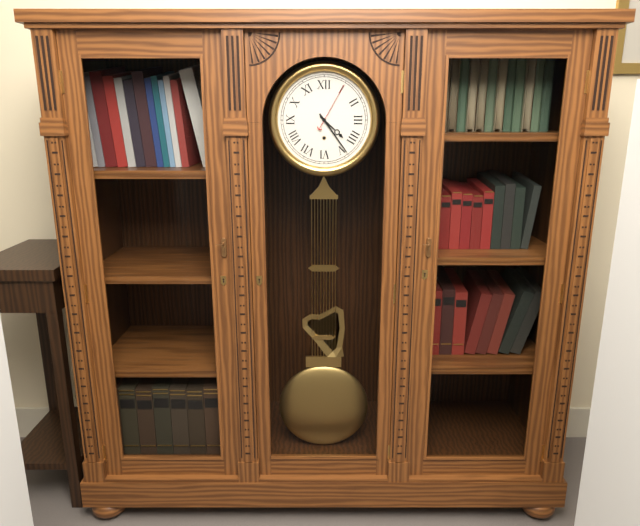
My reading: 4:24:05
